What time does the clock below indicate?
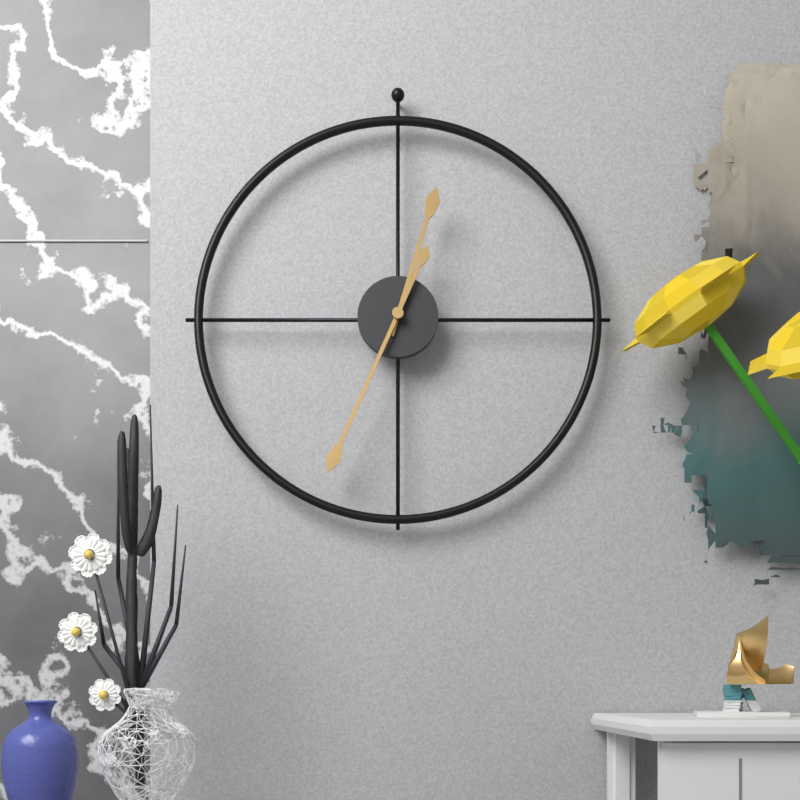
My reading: 12:34
